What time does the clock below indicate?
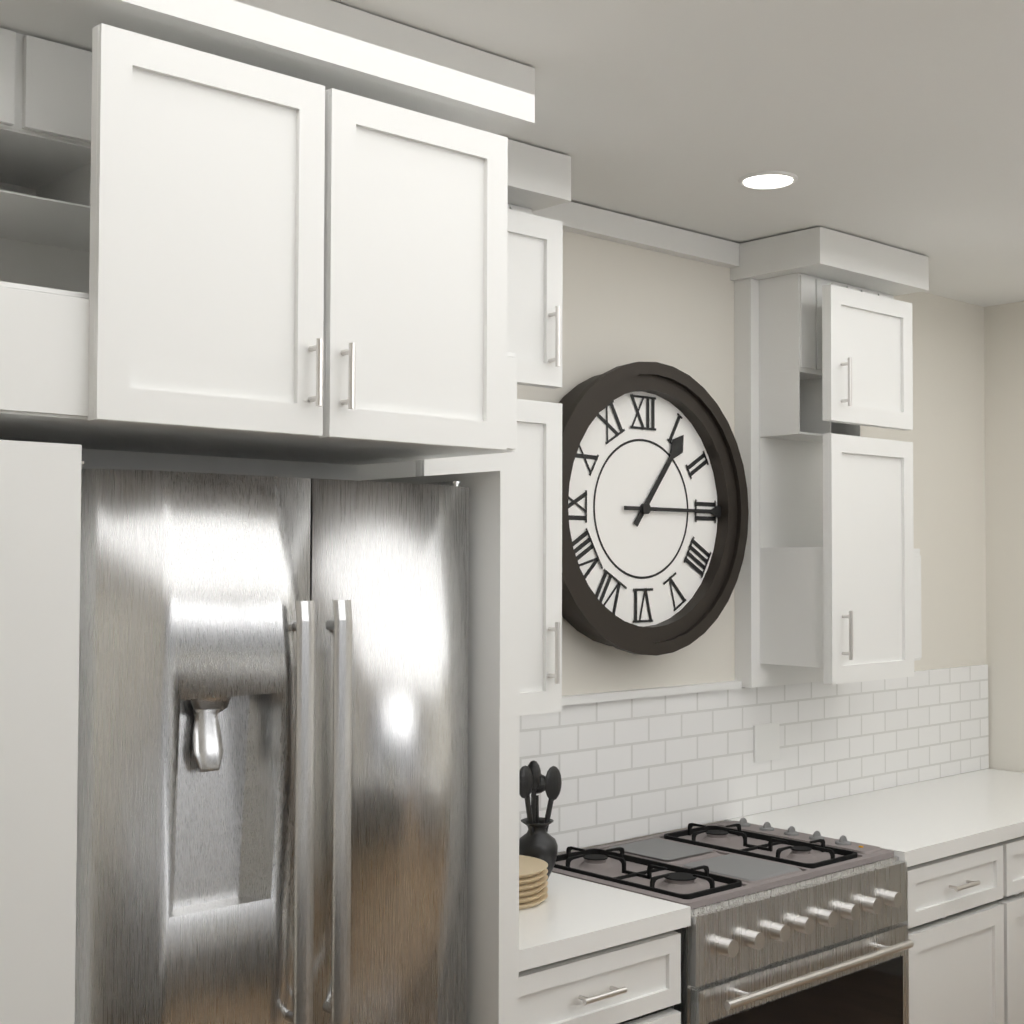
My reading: 1:15
